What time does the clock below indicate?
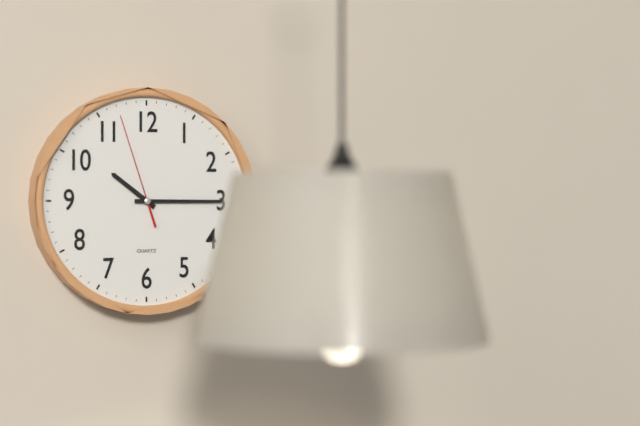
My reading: 10:15:57
